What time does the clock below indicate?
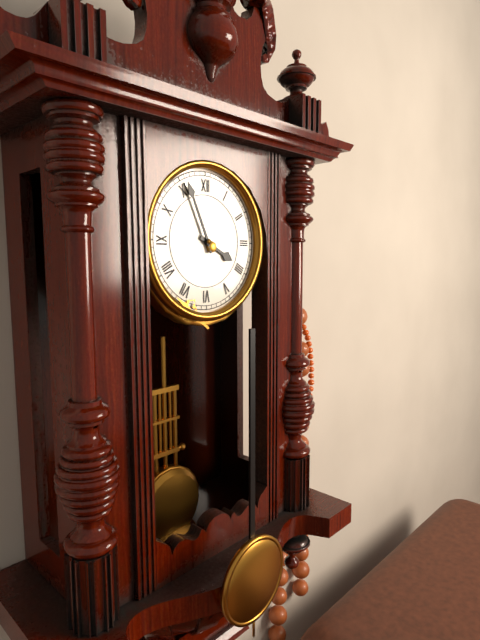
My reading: 3:56
